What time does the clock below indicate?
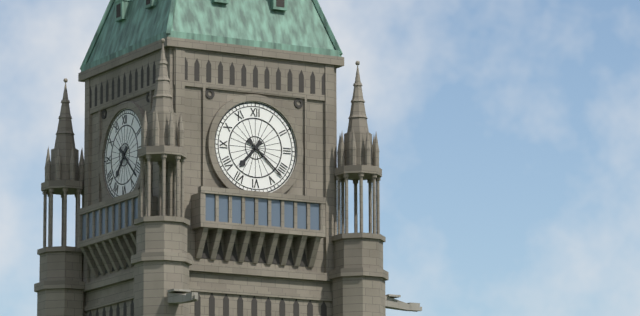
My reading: 7:22
